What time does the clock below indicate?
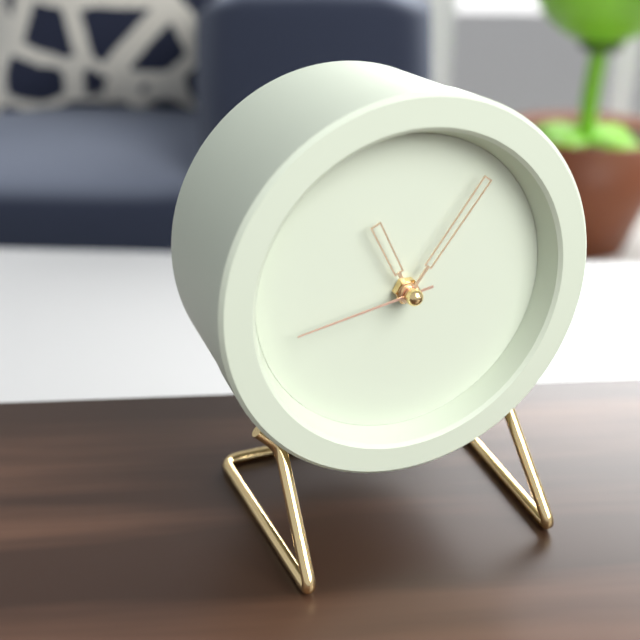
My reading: 11:06:43
